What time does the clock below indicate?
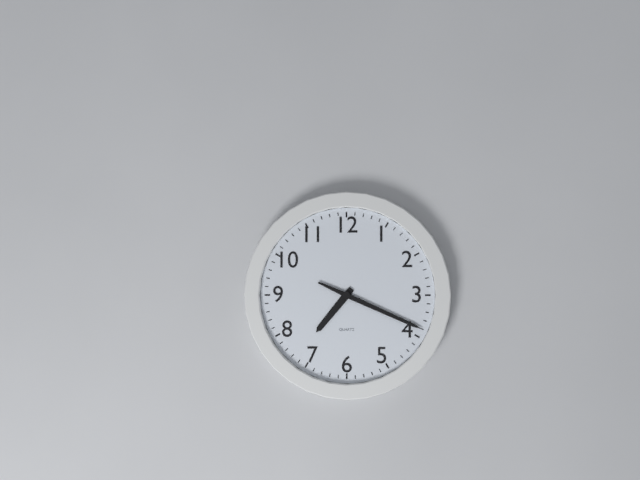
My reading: 7:19
